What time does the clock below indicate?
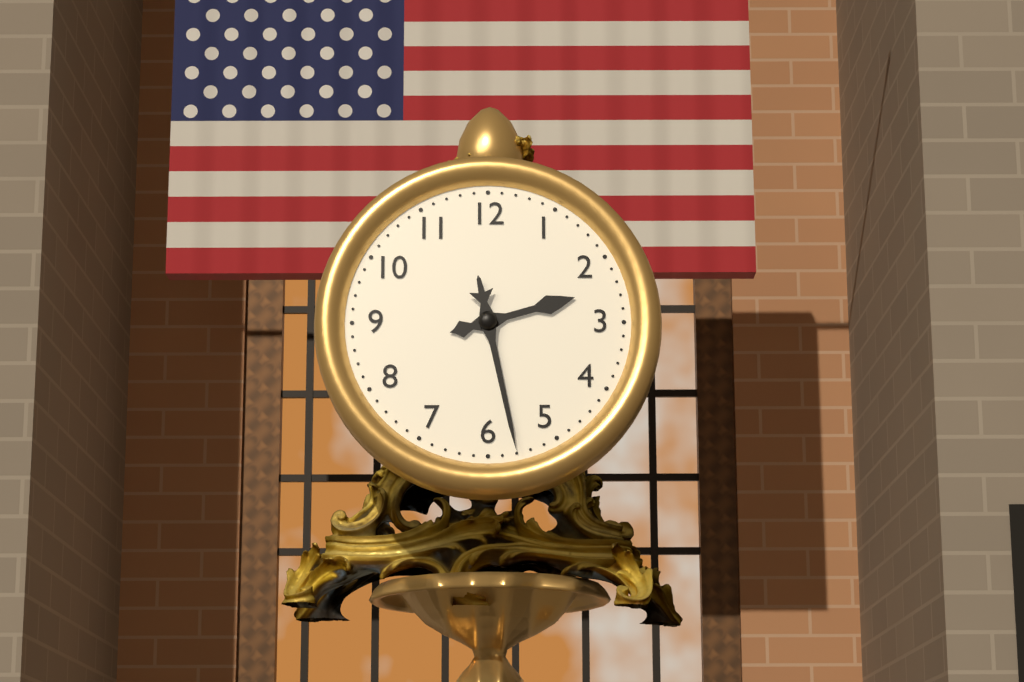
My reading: 2:28
